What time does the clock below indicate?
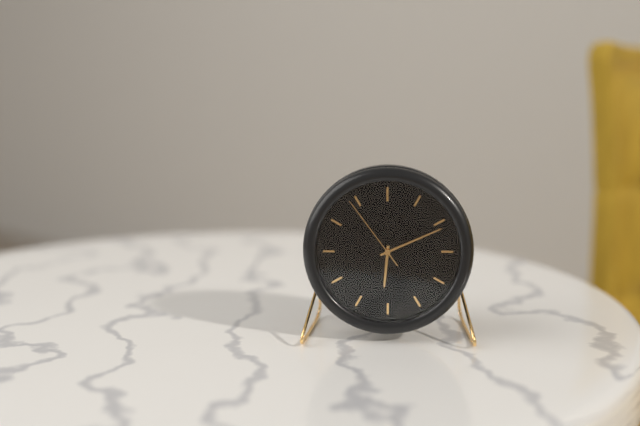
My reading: 6:11:54
